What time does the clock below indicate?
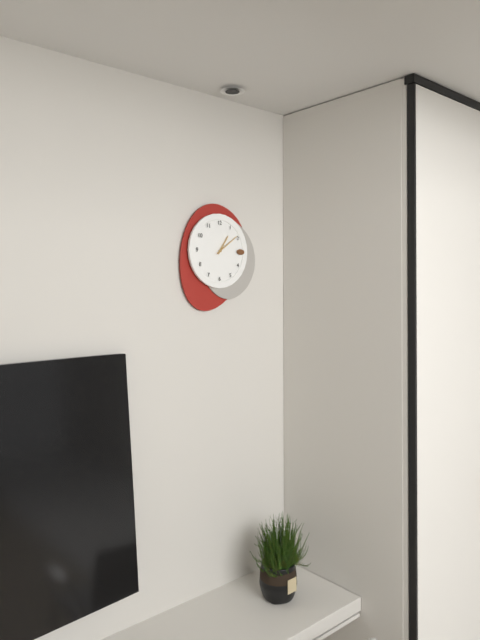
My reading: 1:09
